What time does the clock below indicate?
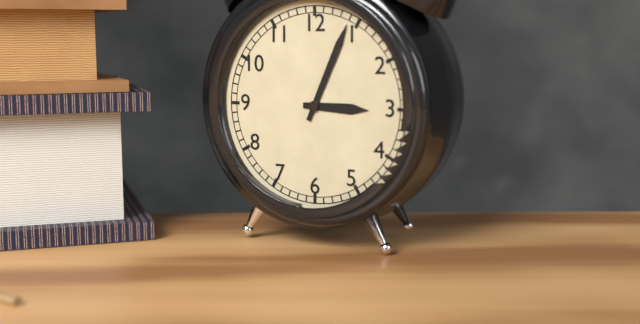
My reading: 3:04
